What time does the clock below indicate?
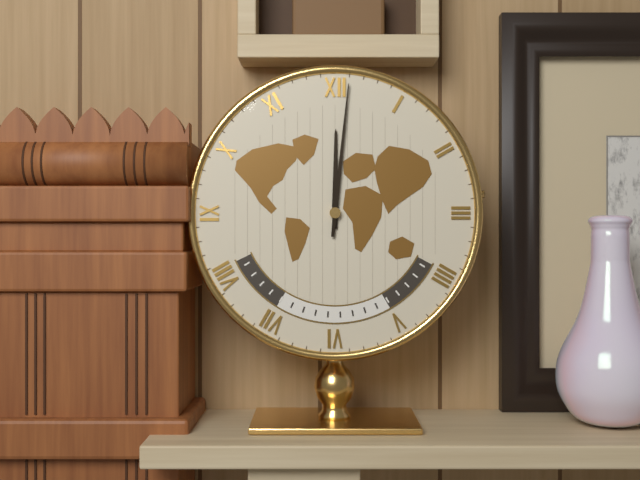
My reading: 12:01
